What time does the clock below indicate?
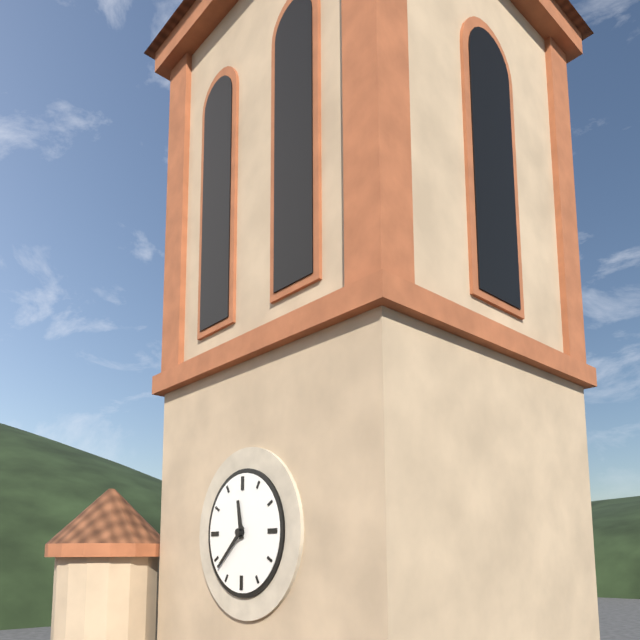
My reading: 11:38
